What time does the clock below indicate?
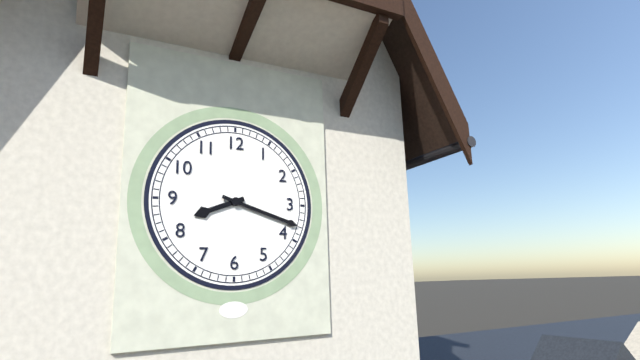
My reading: 8:18
